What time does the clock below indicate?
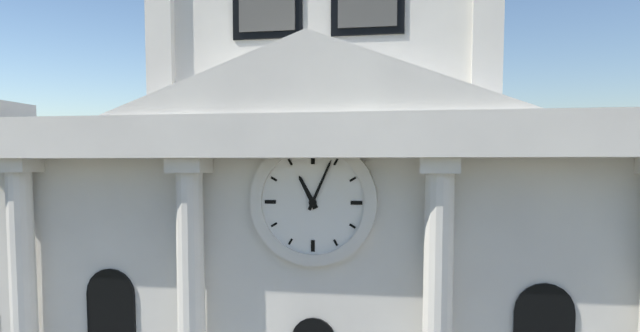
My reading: 11:04
